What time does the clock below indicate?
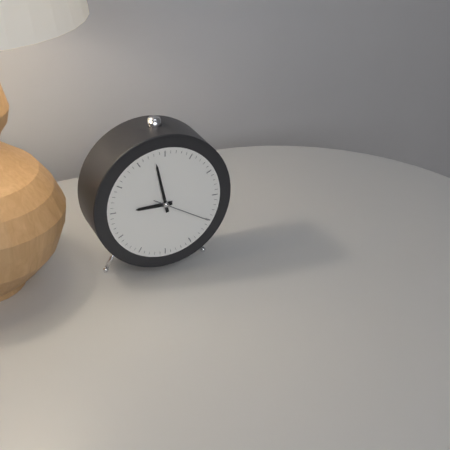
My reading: 8:58:20
